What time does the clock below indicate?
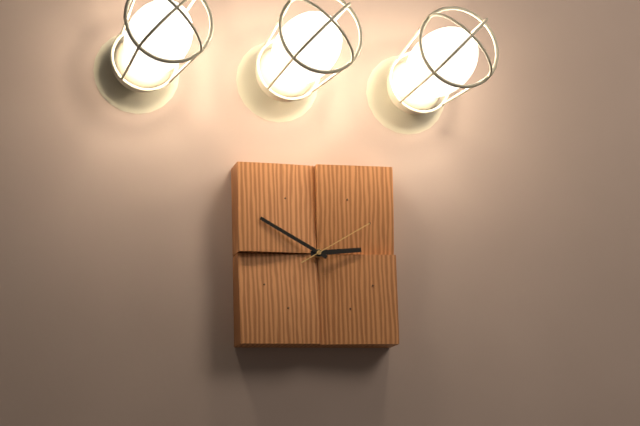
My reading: 2:50:10
